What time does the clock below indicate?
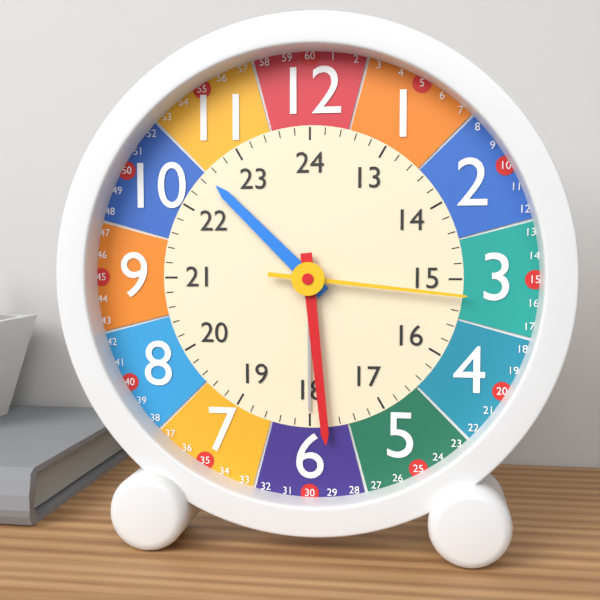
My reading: 10:29:16
